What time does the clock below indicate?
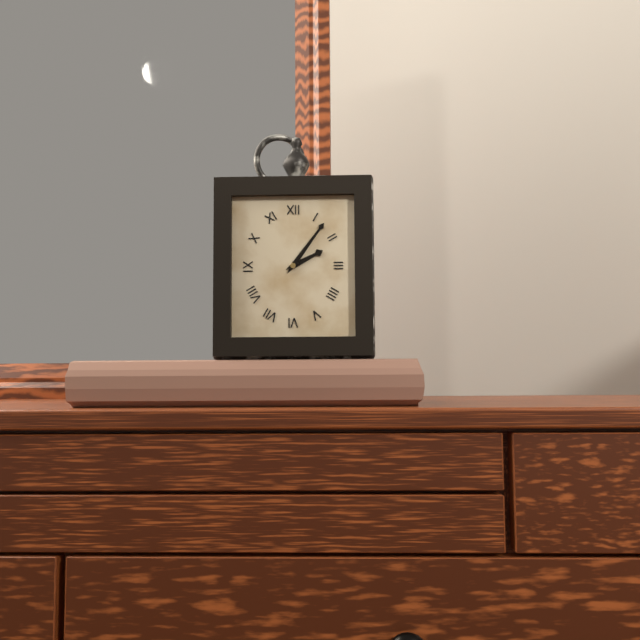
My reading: 2:06
